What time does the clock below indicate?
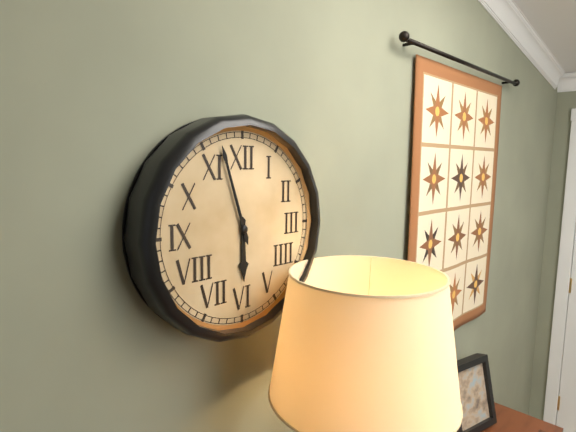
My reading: 5:57
